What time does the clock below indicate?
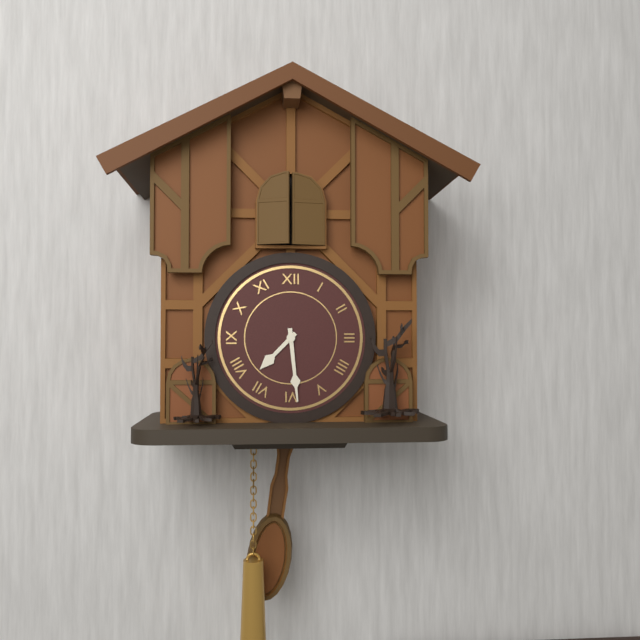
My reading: 7:29
